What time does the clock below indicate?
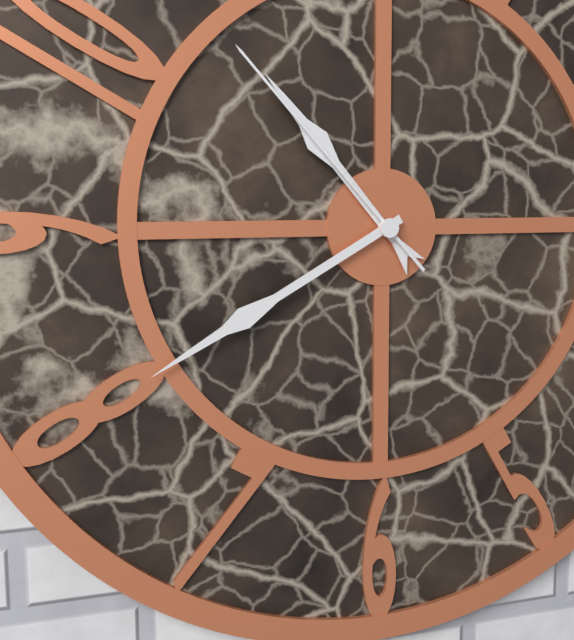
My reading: 10:40:53
